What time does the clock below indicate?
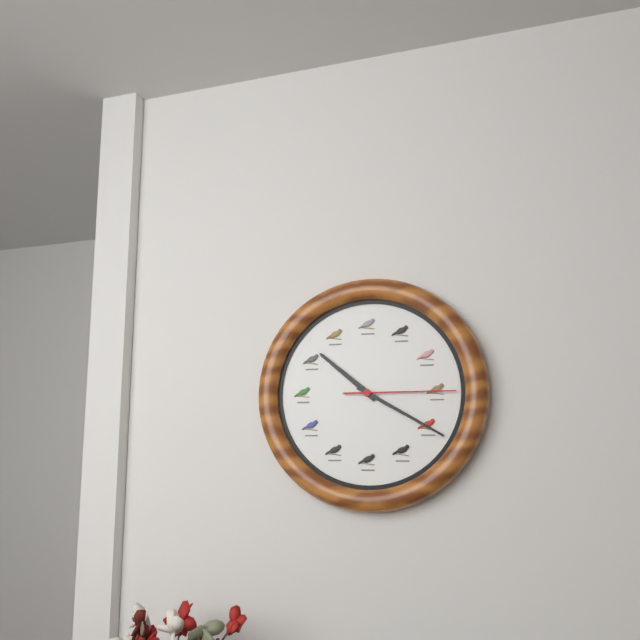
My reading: 10:20:15
